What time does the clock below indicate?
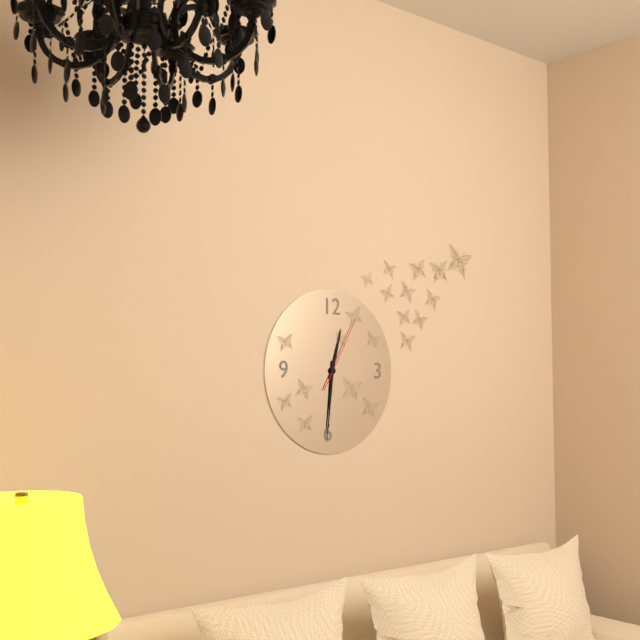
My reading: 12:31:05
